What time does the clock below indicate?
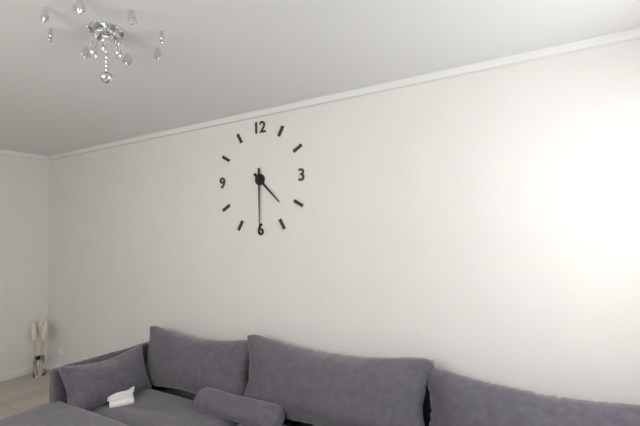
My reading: 4:30
